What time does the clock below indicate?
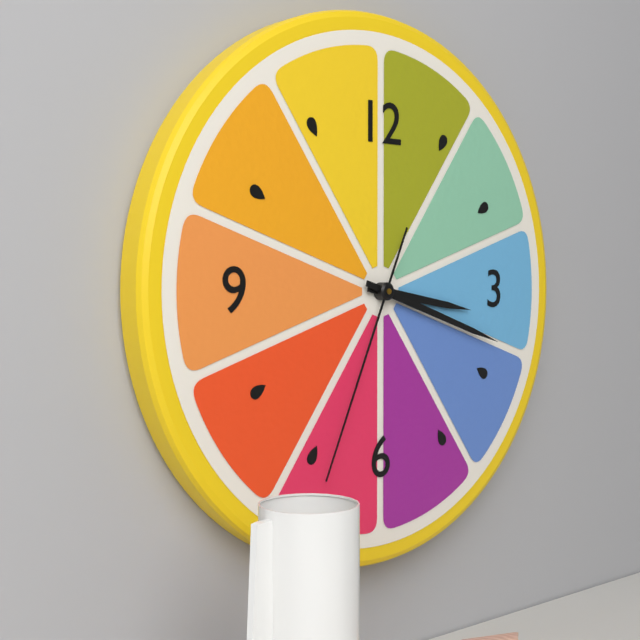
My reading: 3:18:34
